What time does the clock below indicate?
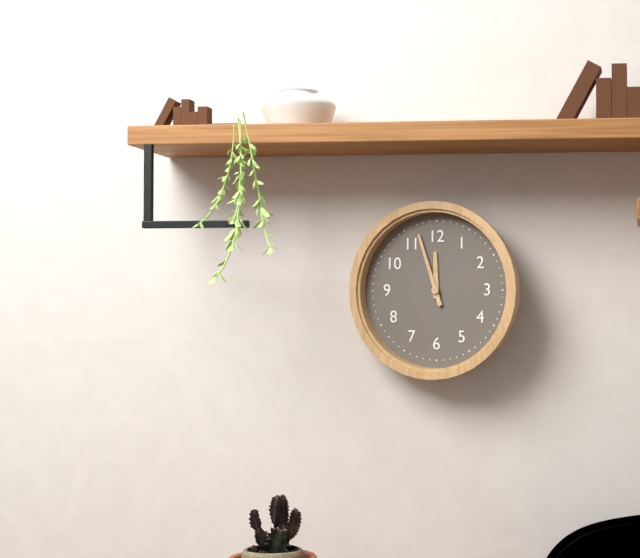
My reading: 11:57
